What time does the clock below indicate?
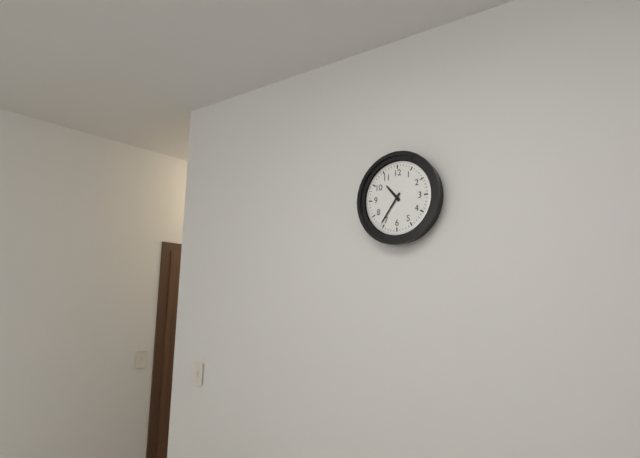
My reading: 10:36
